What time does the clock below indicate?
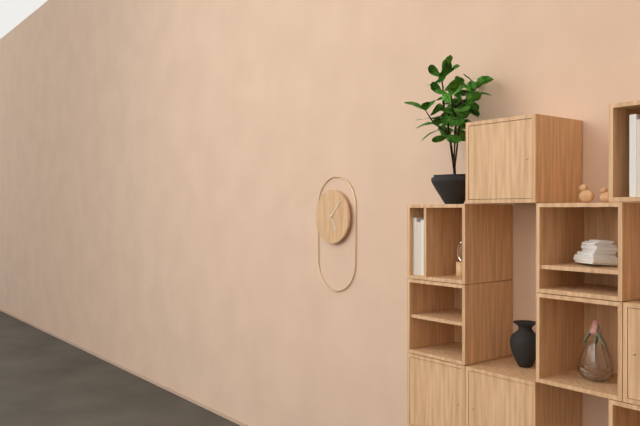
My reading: 5:07
